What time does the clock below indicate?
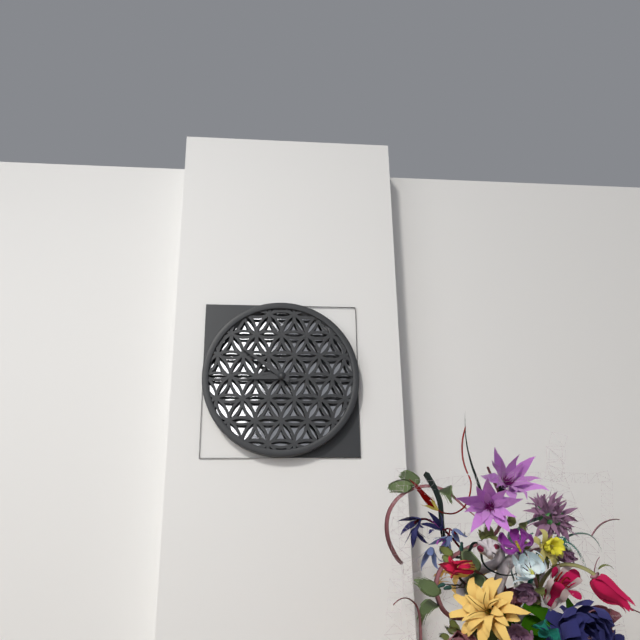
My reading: 8:51
